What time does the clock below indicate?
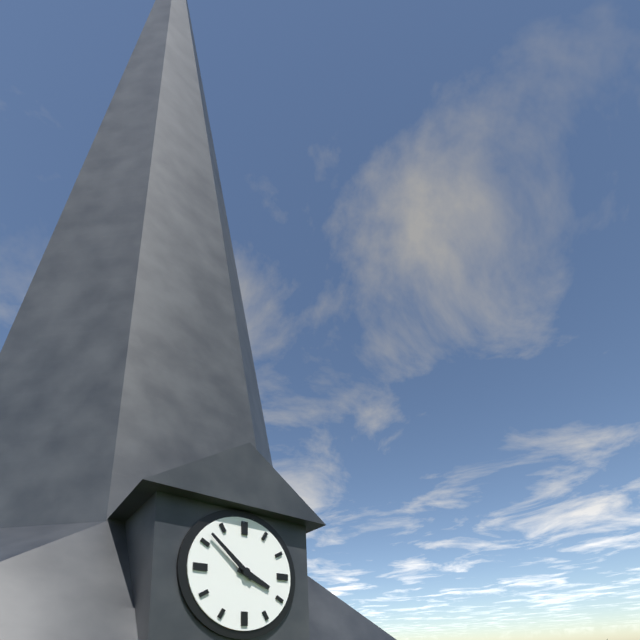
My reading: 3:52
